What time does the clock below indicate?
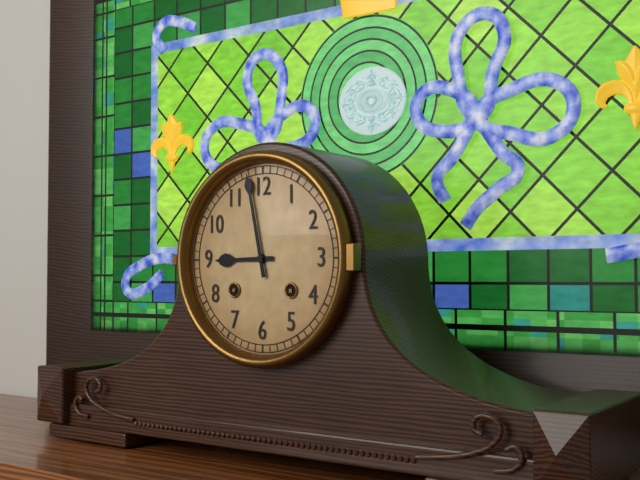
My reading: 8:58
